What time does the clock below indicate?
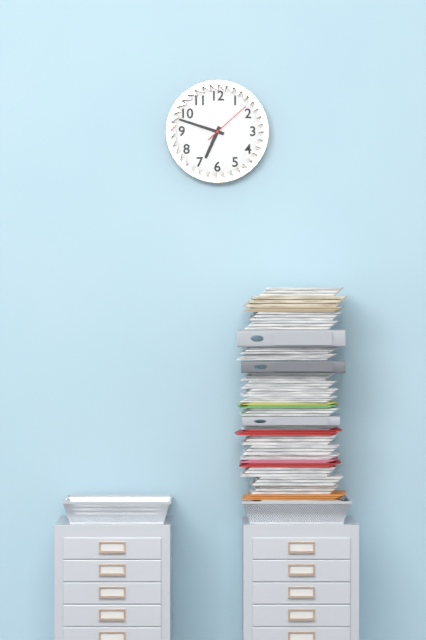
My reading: 6:48
